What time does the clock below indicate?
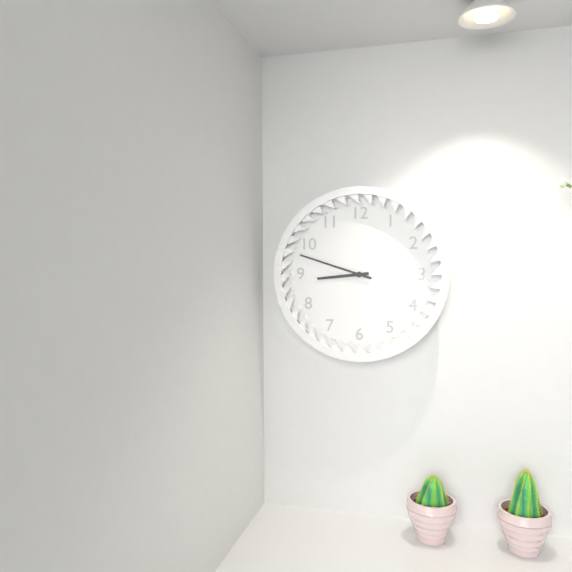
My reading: 8:48
